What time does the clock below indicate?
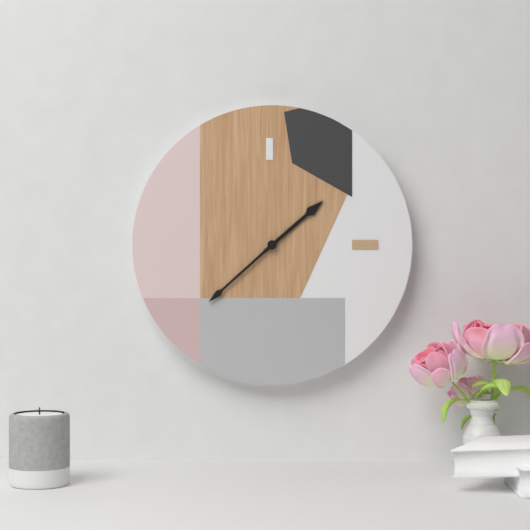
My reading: 1:38
